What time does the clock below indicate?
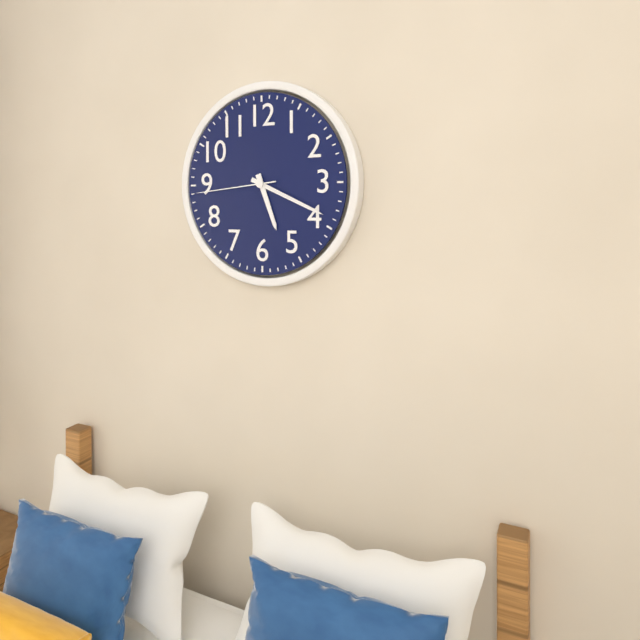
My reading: 5:19:44
